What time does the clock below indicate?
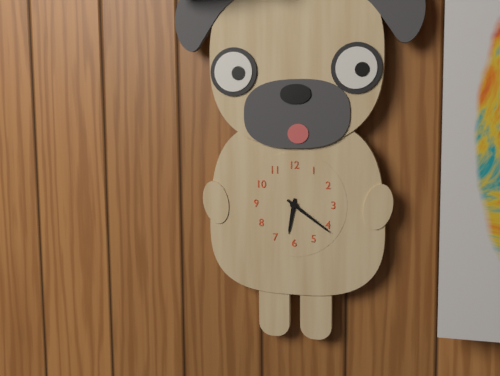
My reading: 6:21
